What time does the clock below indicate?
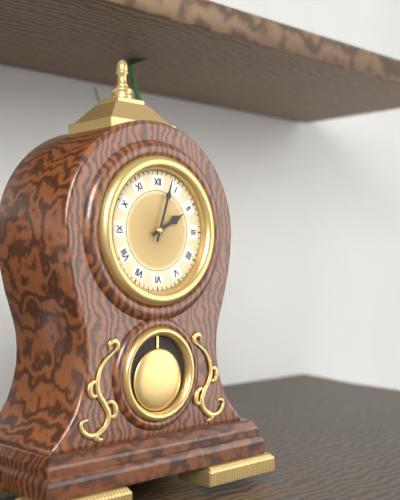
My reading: 2:03
